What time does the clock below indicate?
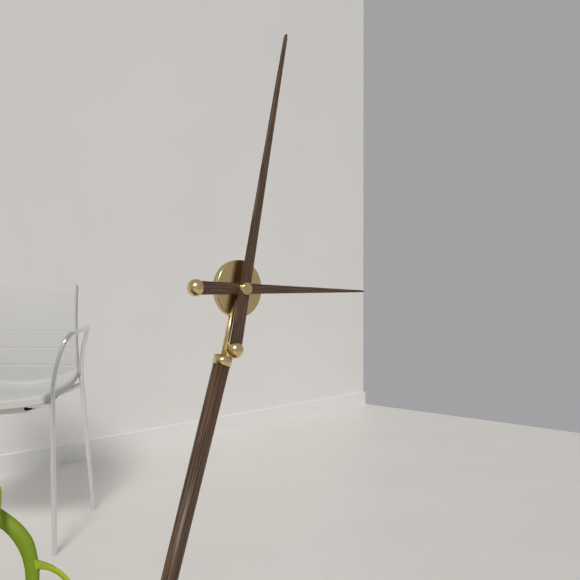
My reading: 3:02
